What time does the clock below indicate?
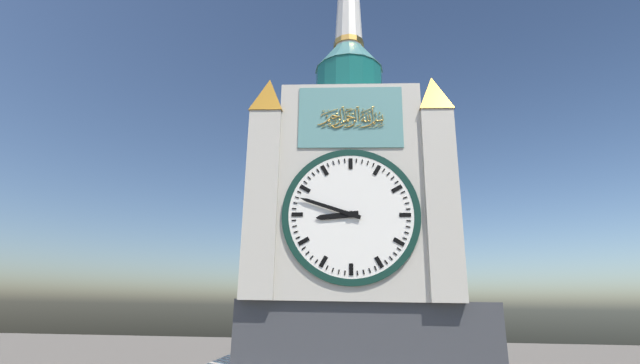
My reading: 8:48
